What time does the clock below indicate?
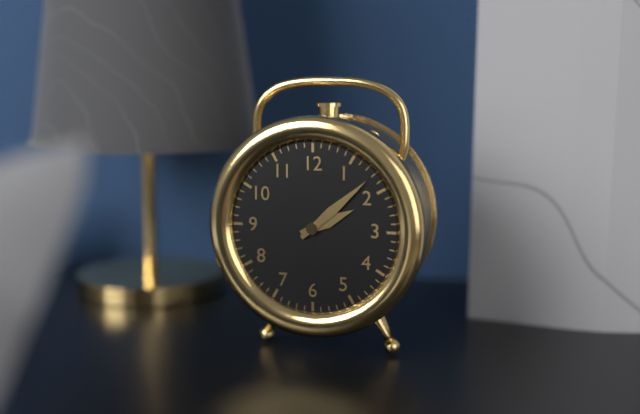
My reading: 2:08
